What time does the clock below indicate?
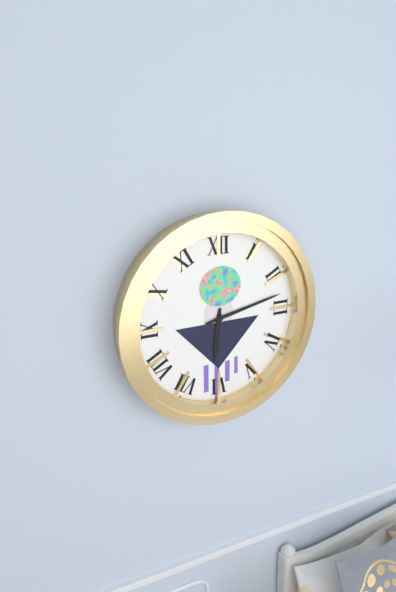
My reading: 6:13
